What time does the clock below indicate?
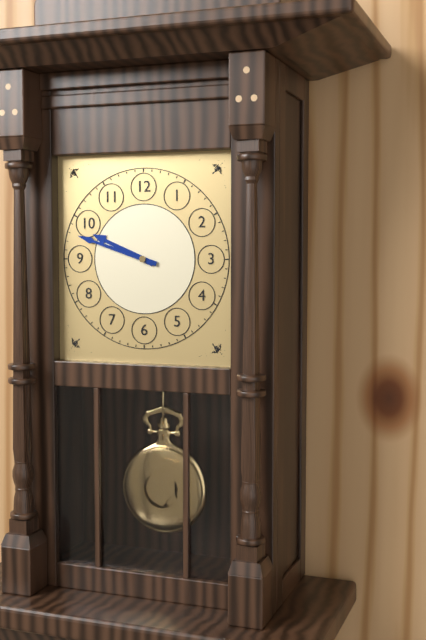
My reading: 9:48
